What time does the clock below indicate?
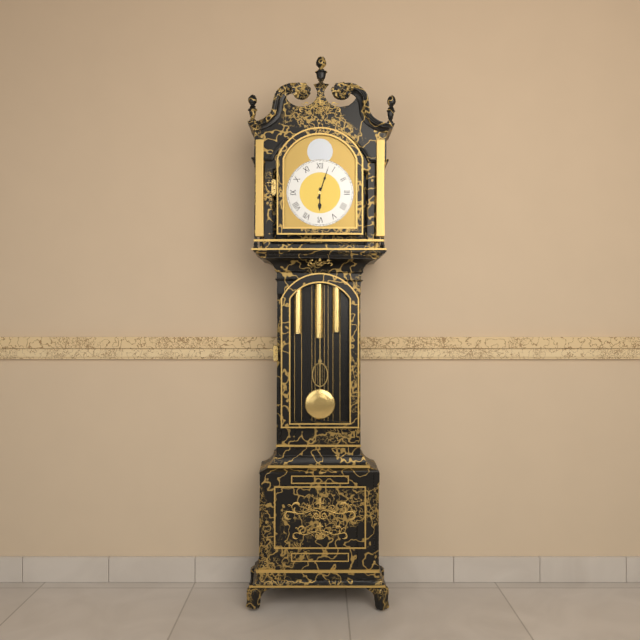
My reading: 6:03
